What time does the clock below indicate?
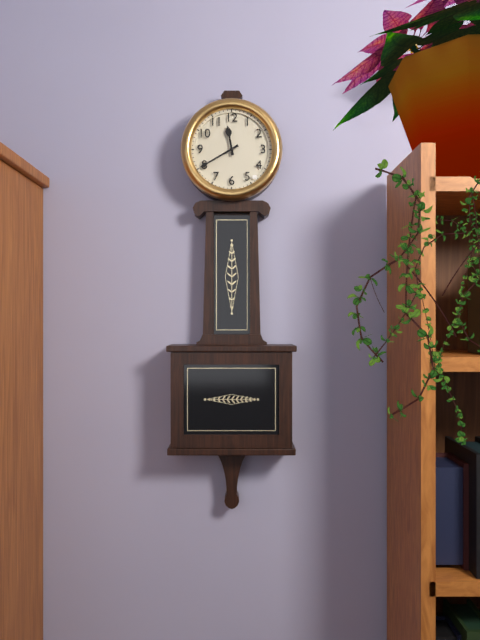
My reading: 11:40
